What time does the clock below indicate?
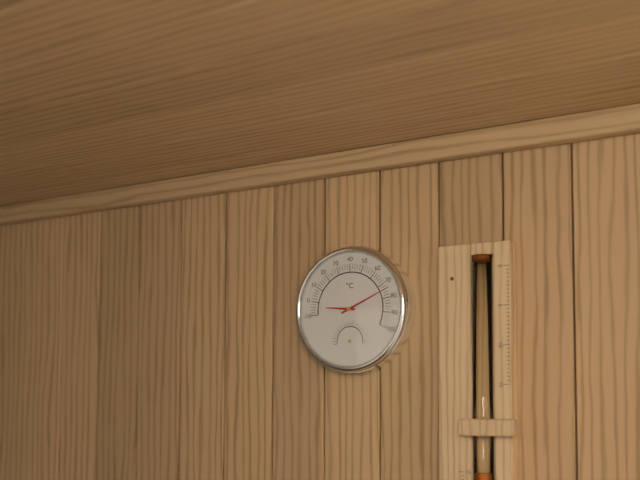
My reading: 9:11
